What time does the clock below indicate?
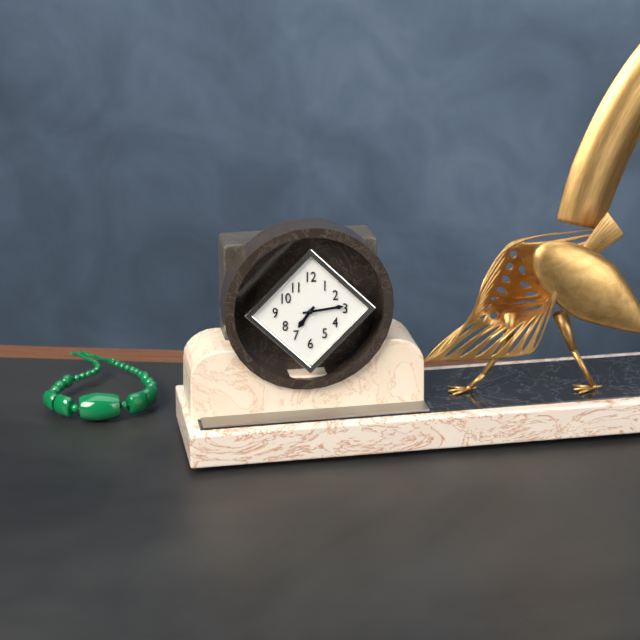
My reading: 7:14
